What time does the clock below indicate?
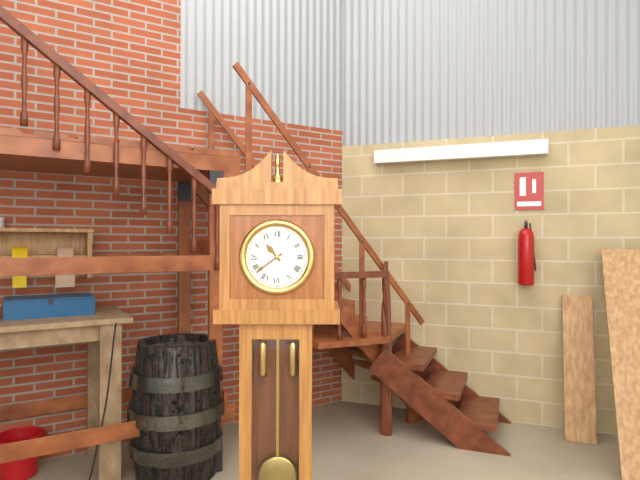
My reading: 10:39
